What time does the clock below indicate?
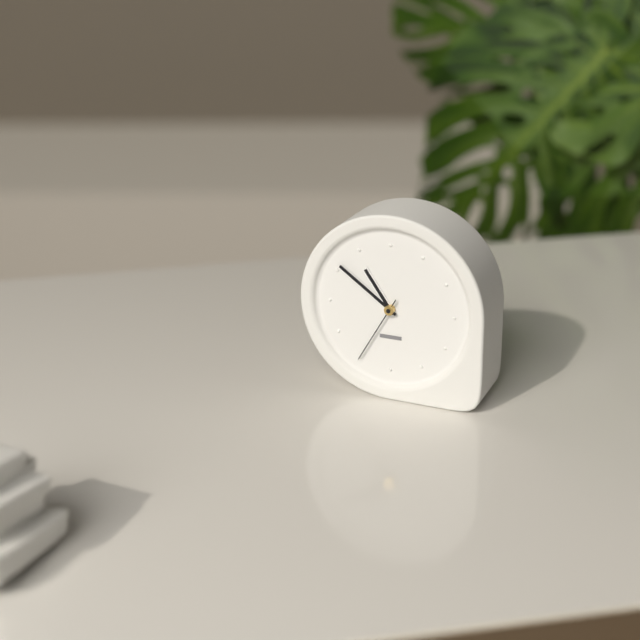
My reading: 10:51:35
